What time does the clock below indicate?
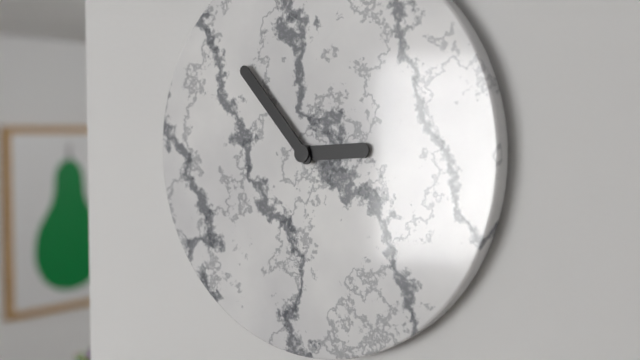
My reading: 2:53
